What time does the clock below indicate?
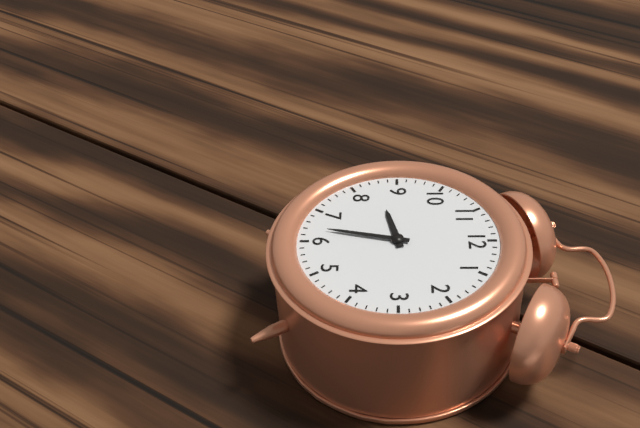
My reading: 8:32
